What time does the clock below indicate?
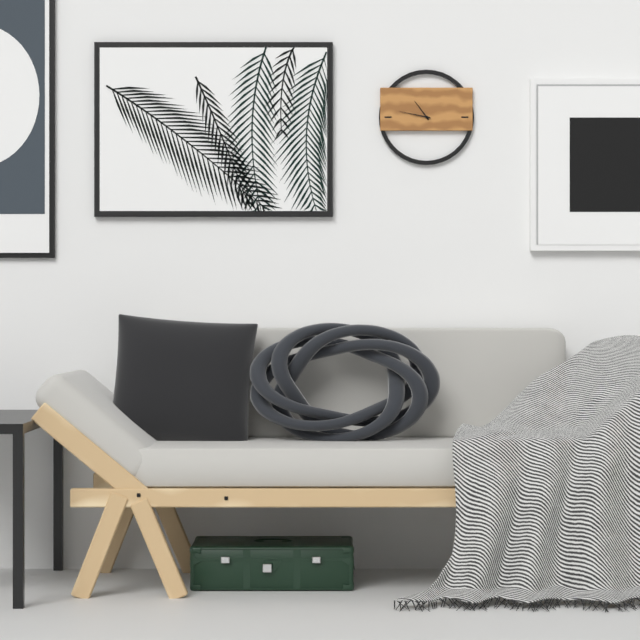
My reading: 10:47
